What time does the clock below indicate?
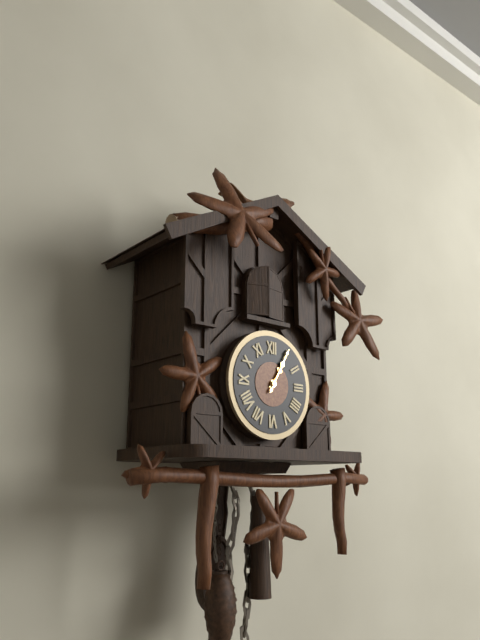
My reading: 1:05
